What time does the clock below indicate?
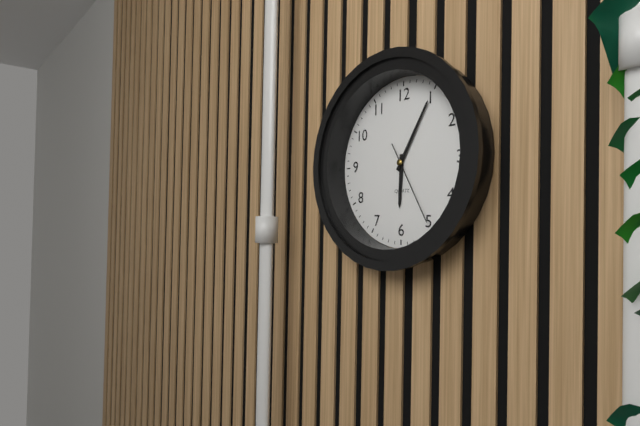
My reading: 6:05:25
